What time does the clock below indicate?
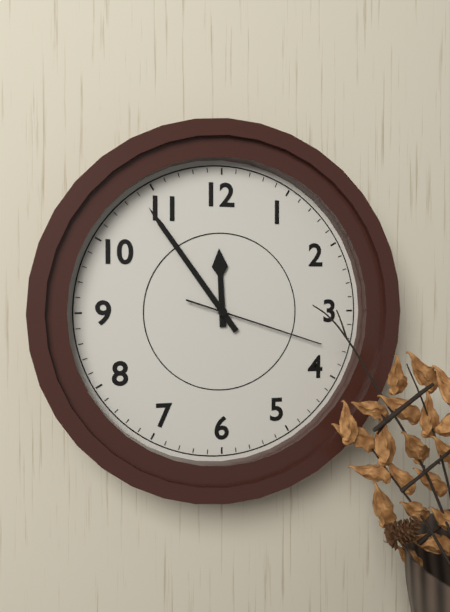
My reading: 11:54:18
